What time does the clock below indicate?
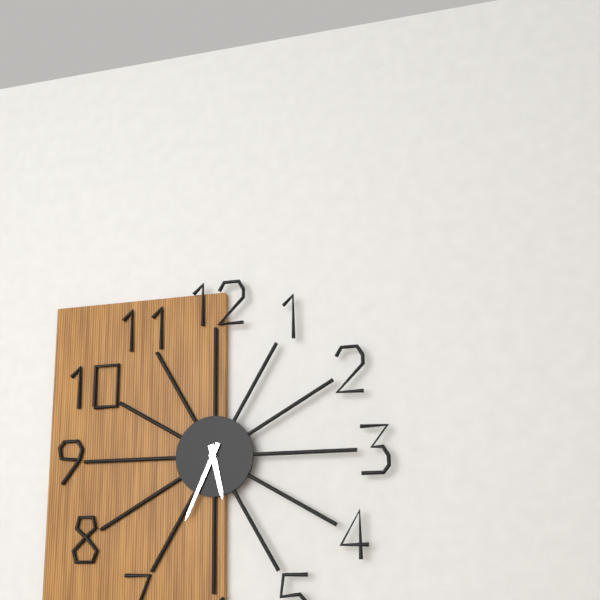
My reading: 5:34
